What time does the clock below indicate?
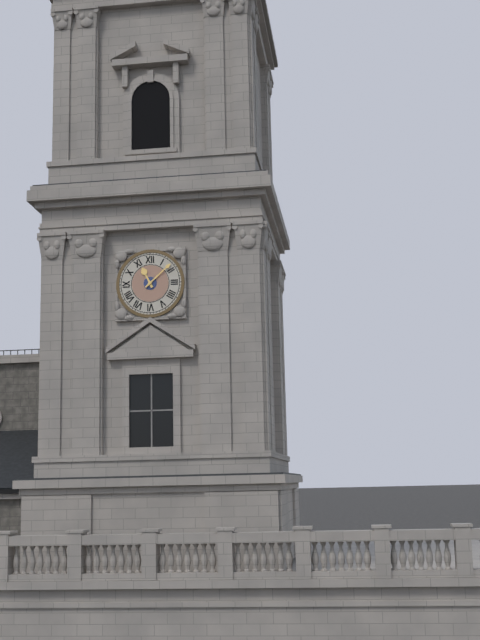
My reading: 11:08
